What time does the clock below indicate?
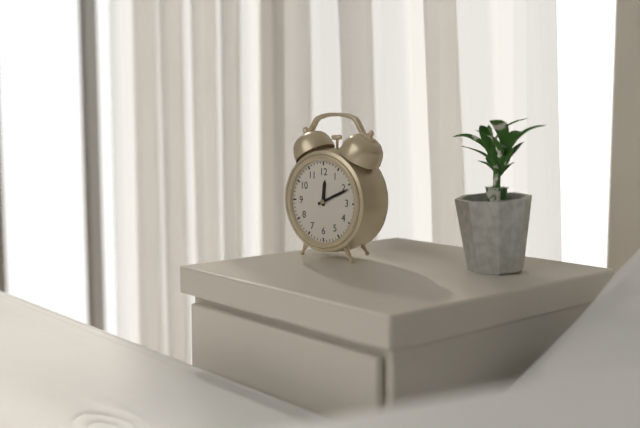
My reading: 12:11
